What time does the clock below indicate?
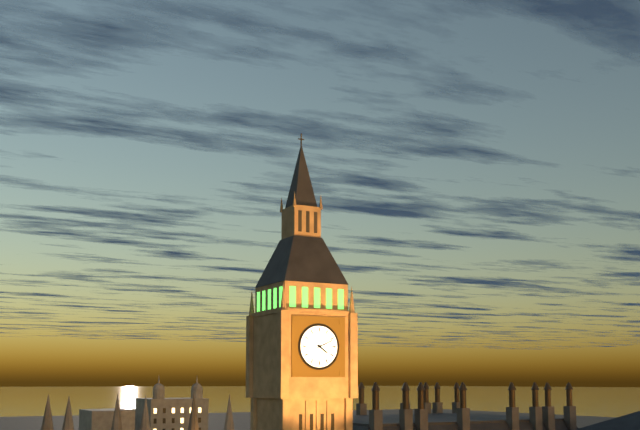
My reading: 4:11
